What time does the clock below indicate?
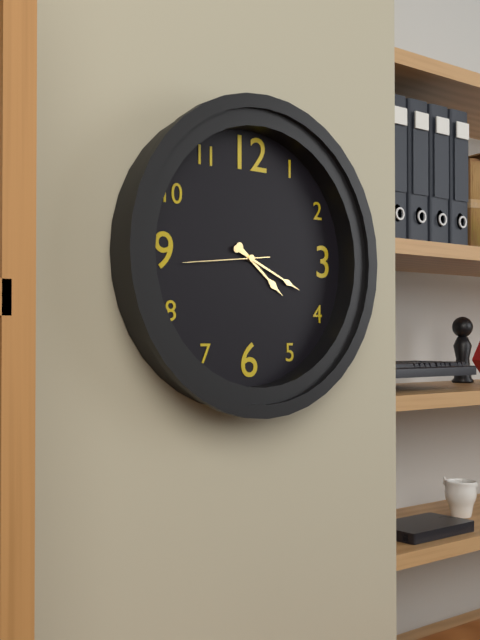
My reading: 4:19:44
